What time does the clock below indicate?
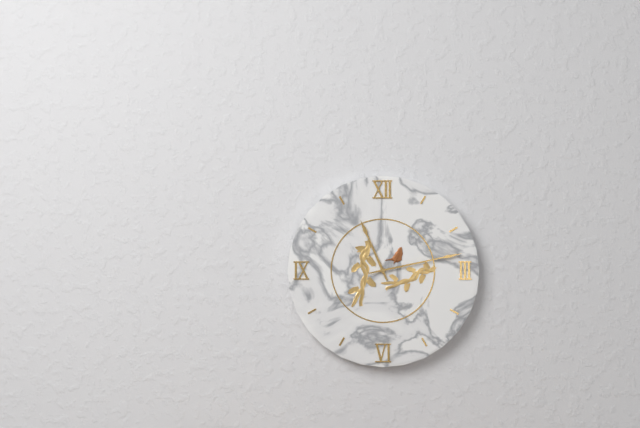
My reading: 11:13
